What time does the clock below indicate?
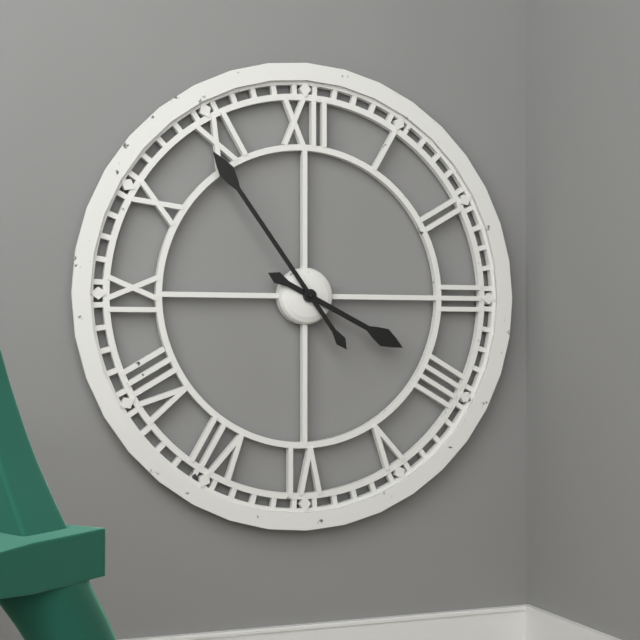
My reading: 3:54
